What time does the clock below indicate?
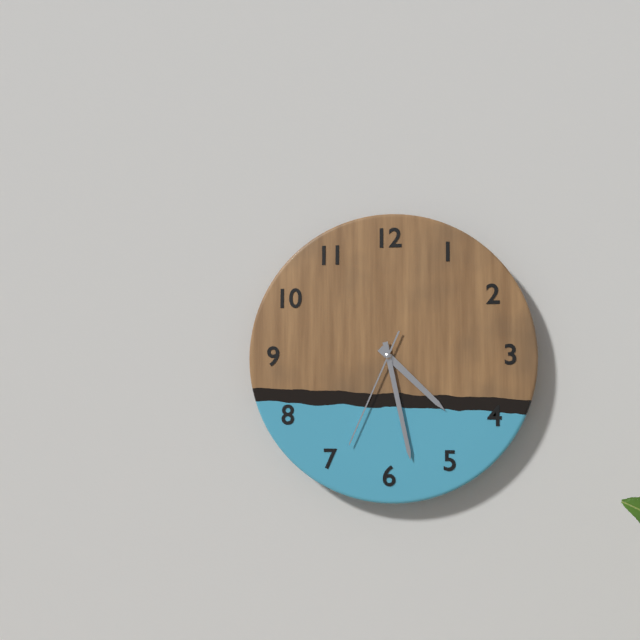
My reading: 4:28:34
